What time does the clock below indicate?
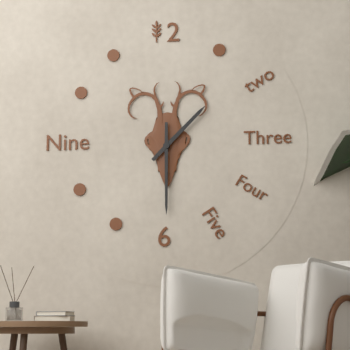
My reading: 1:30
